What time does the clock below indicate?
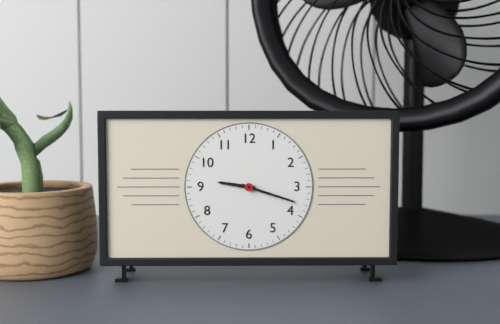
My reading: 9:18
